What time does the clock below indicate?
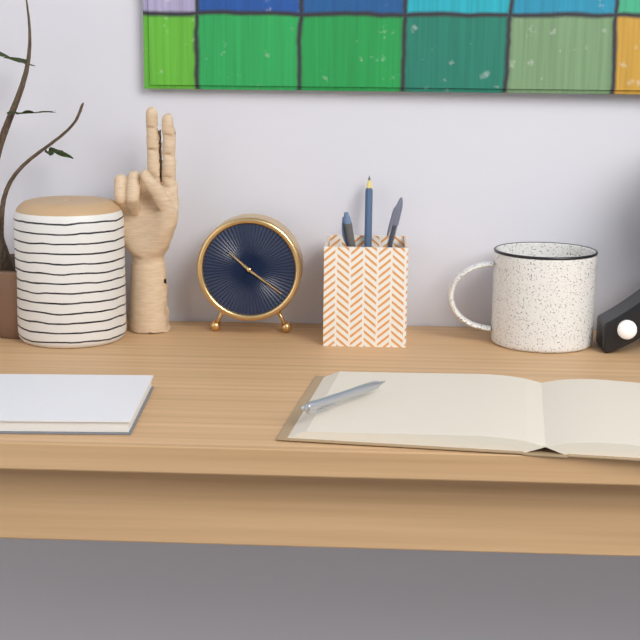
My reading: 10:21
